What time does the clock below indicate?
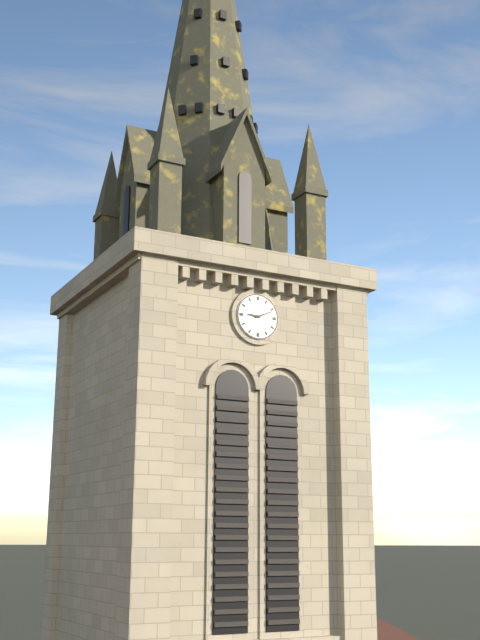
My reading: 9:11
